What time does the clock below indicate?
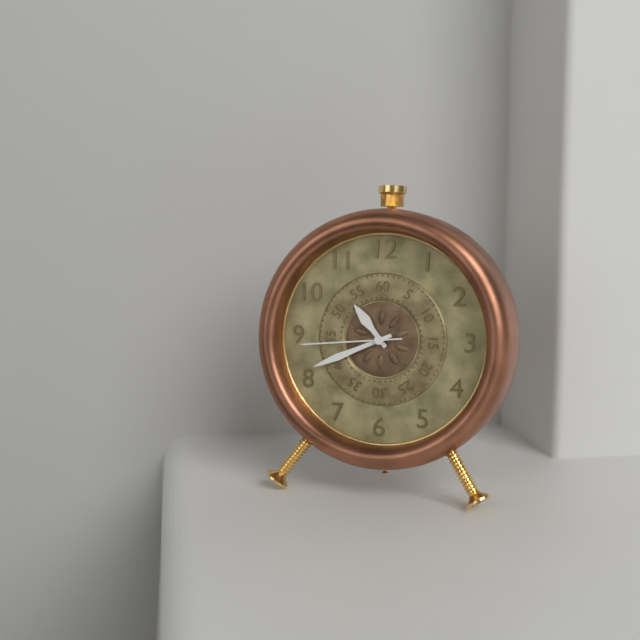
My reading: 10:41:44
